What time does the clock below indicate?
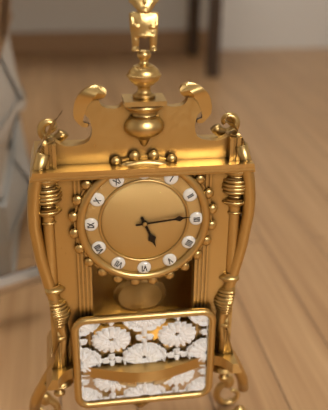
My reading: 5:14
